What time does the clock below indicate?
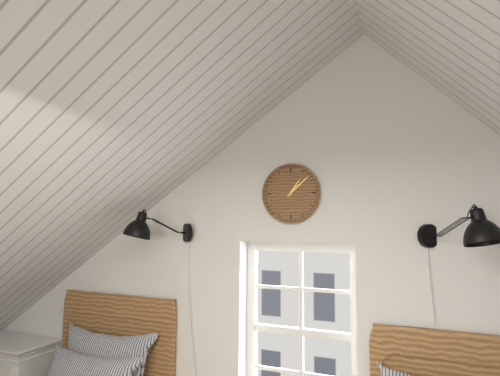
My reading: 1:08
